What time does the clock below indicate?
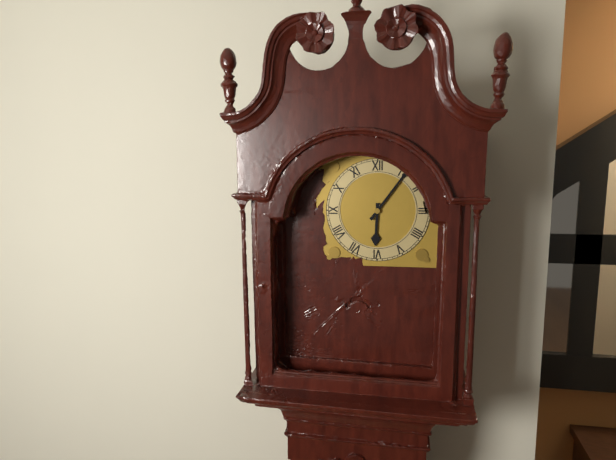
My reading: 6:06
